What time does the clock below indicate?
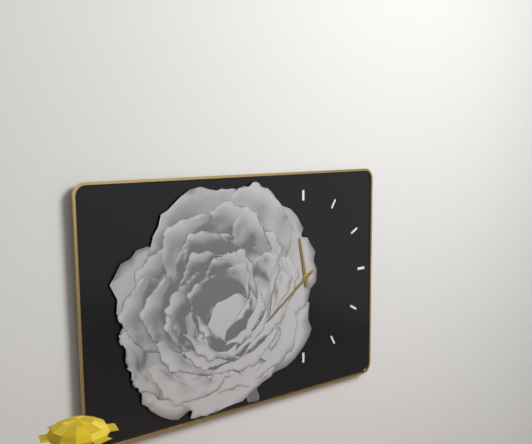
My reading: 11:39
